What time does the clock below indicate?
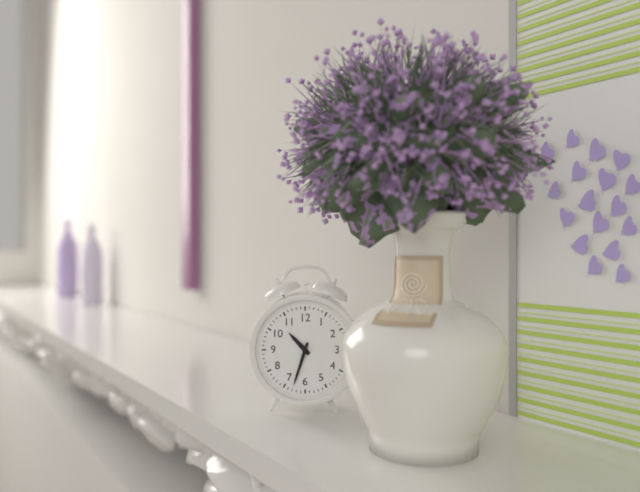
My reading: 10:33
